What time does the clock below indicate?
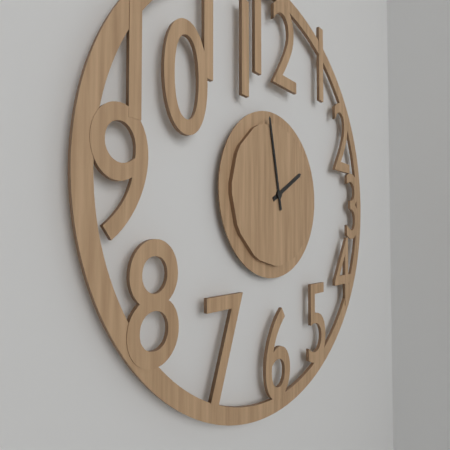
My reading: 1:58
